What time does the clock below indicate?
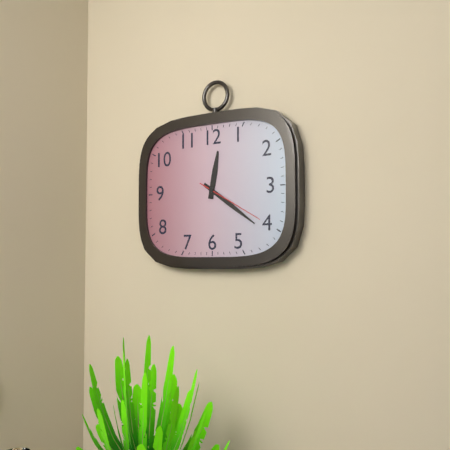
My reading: 12:21:20
